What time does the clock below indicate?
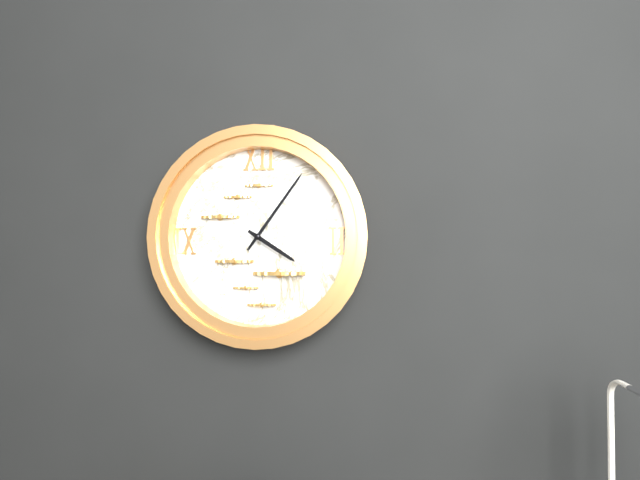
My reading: 4:06
